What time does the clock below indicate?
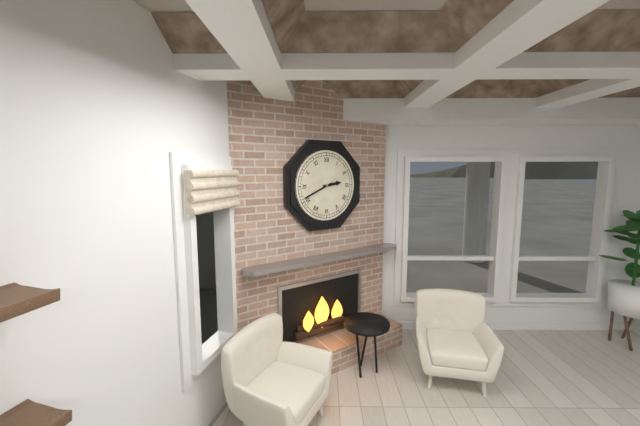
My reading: 2:41
